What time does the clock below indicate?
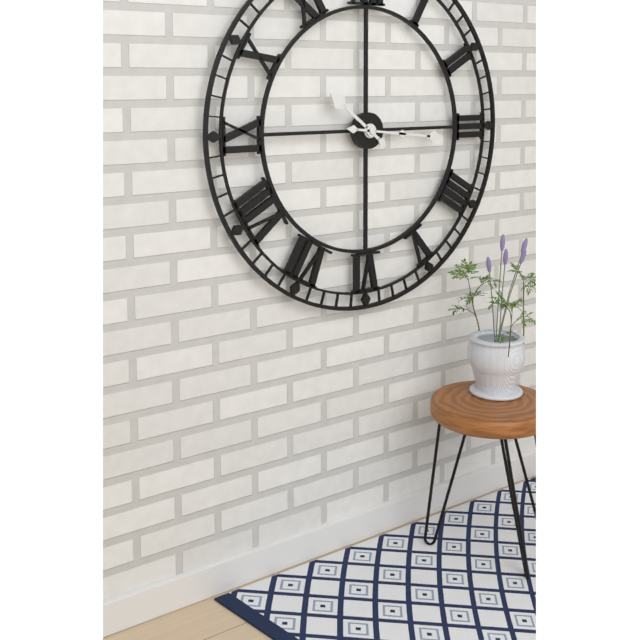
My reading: 10:16
